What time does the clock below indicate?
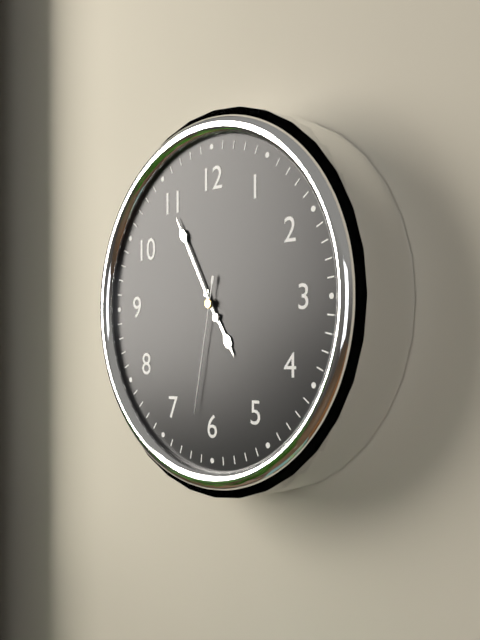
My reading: 4:55:32
